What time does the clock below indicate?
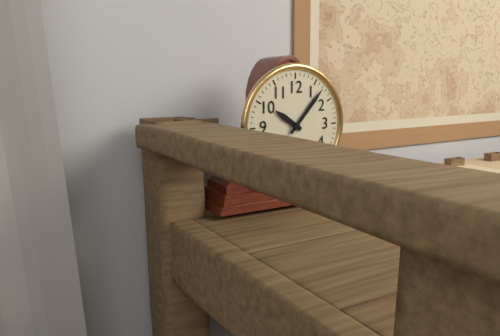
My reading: 10:07
